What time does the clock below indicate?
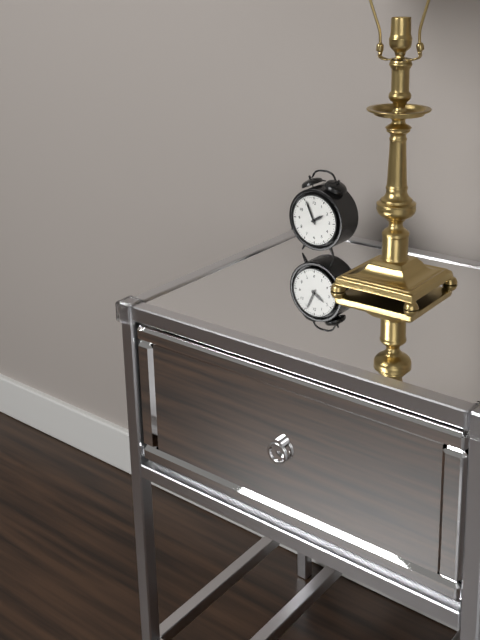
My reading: 1:56
